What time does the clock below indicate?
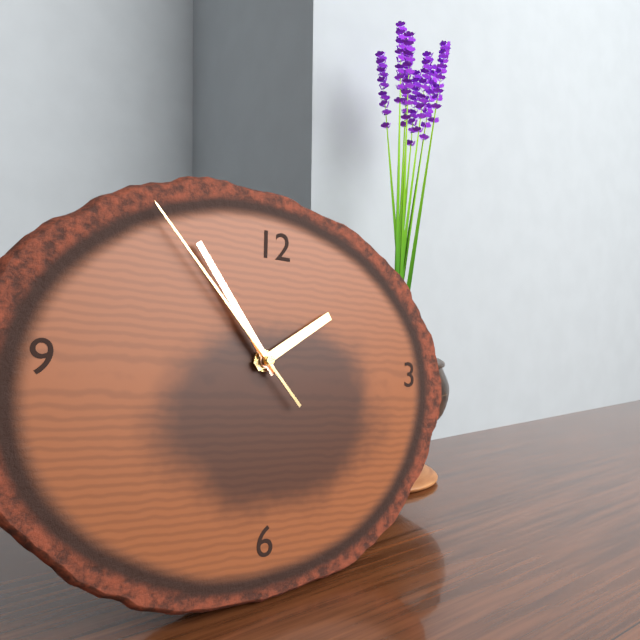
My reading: 1:54:53
